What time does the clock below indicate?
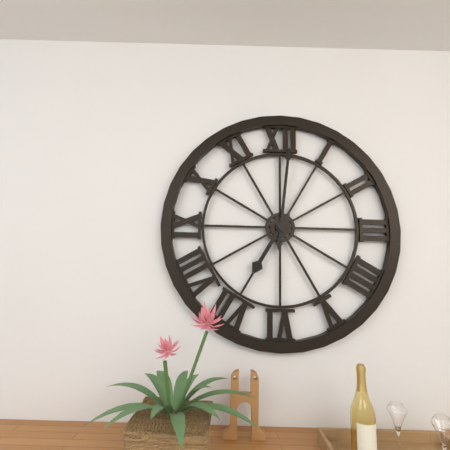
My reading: 7:01
